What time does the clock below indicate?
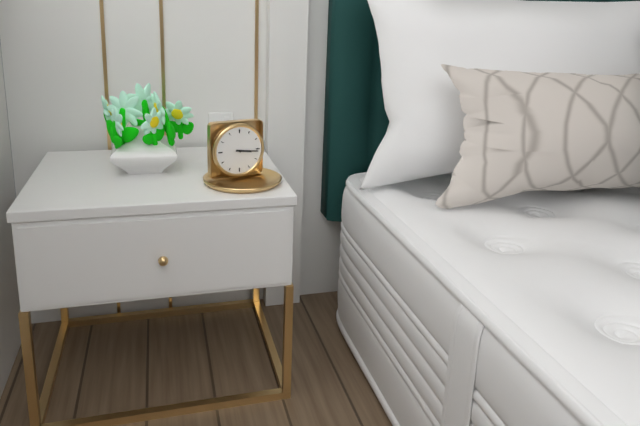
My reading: 3:16
